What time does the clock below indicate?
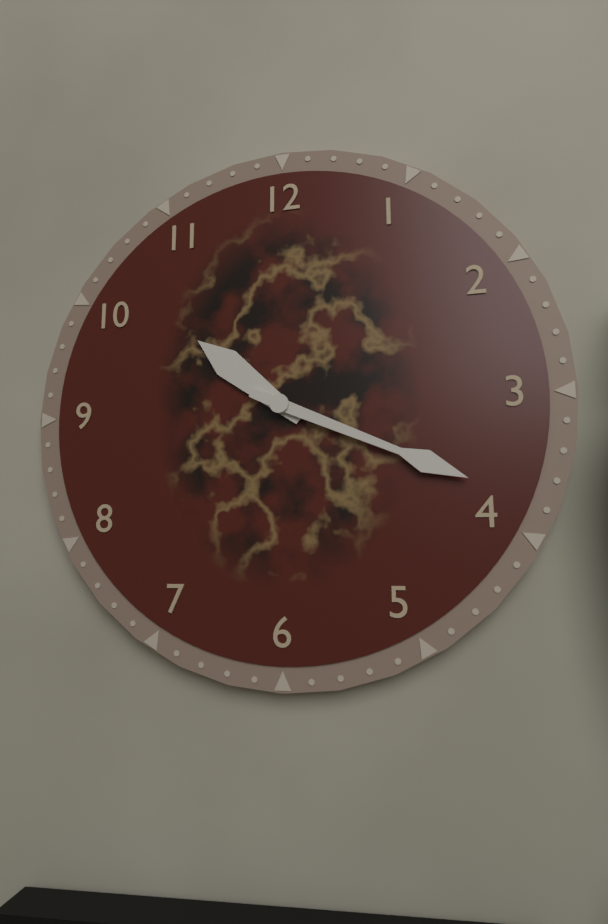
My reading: 10:19
